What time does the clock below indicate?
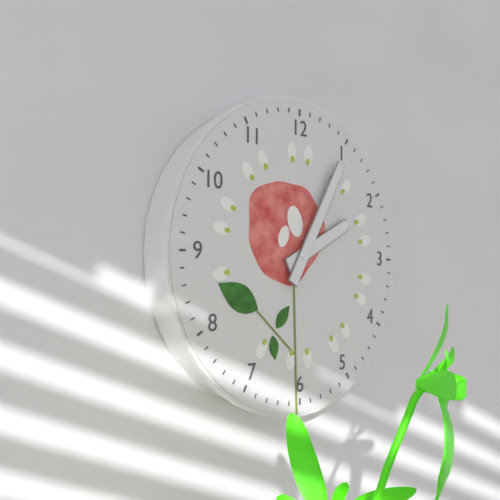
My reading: 2:05
